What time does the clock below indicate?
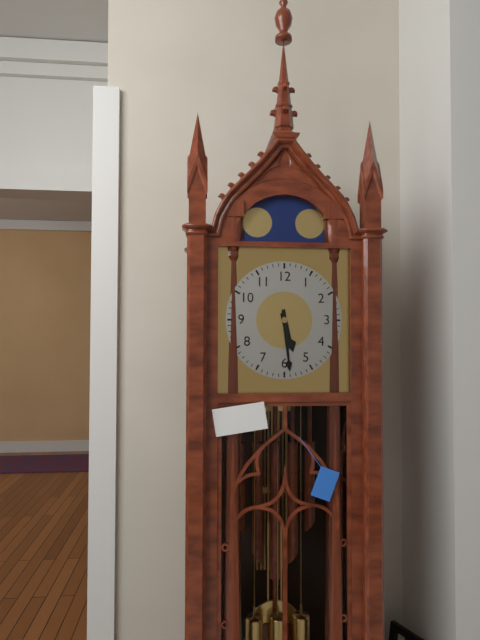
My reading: 5:29
